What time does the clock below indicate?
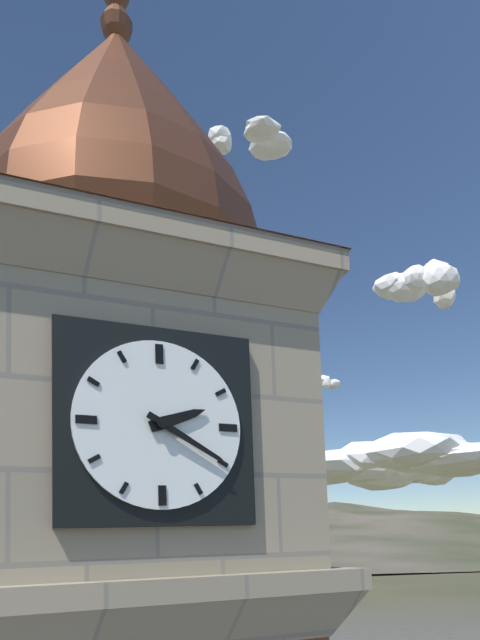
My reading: 2:20
